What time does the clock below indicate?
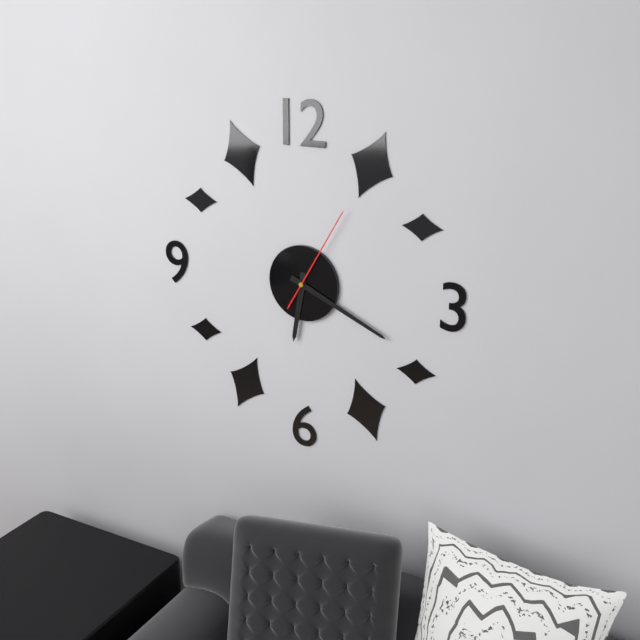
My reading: 6:19:05
